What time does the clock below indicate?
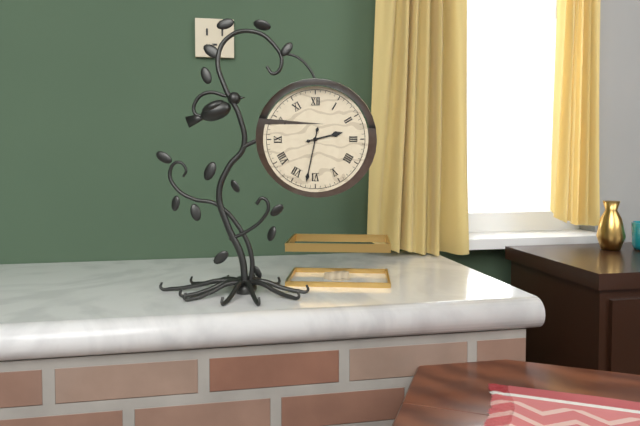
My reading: 2:32
